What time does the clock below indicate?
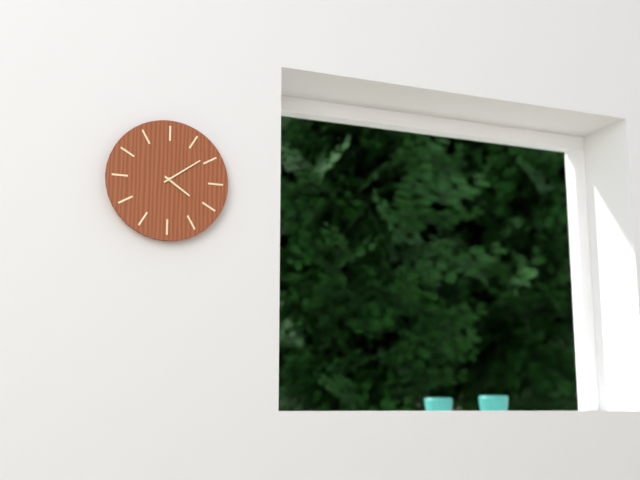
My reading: 4:09
